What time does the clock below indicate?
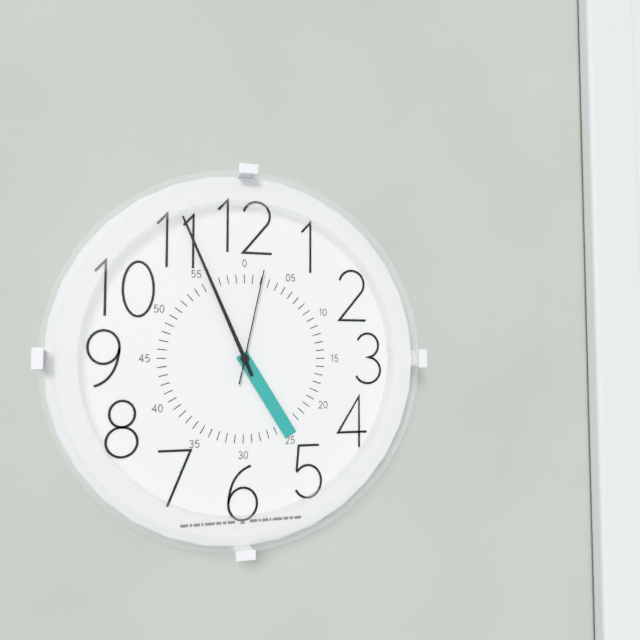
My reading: 4:56:02
